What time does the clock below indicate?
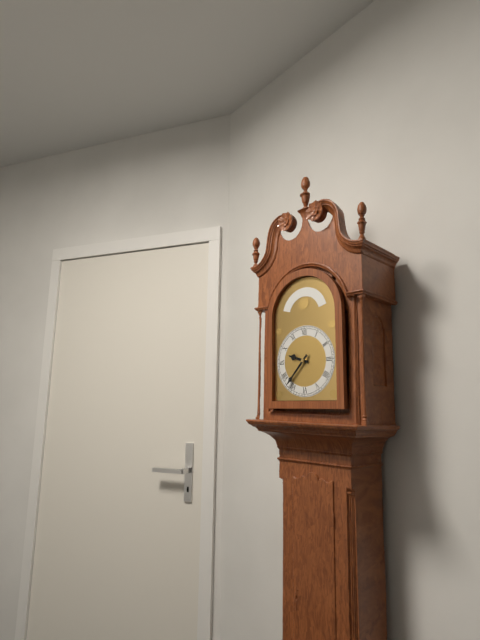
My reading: 9:37
